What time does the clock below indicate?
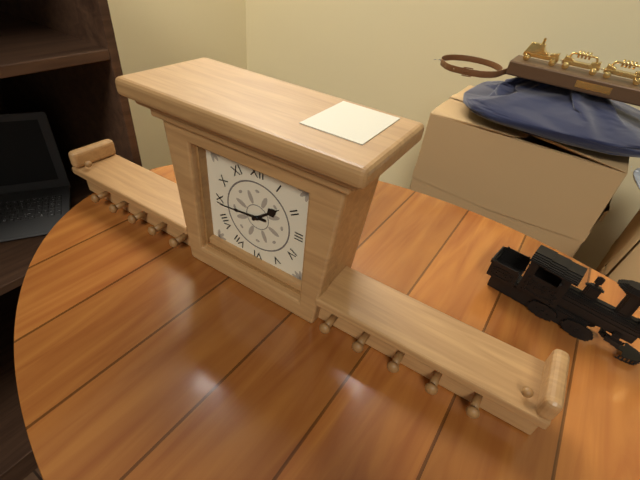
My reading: 1:44
